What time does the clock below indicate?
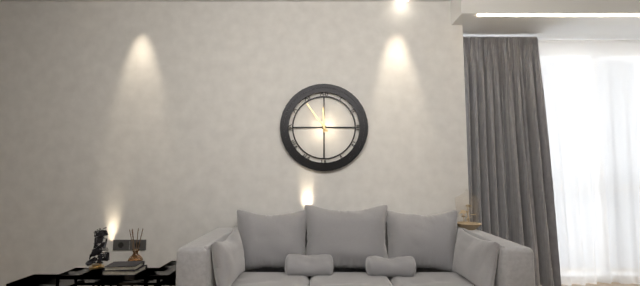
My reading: 11:54
